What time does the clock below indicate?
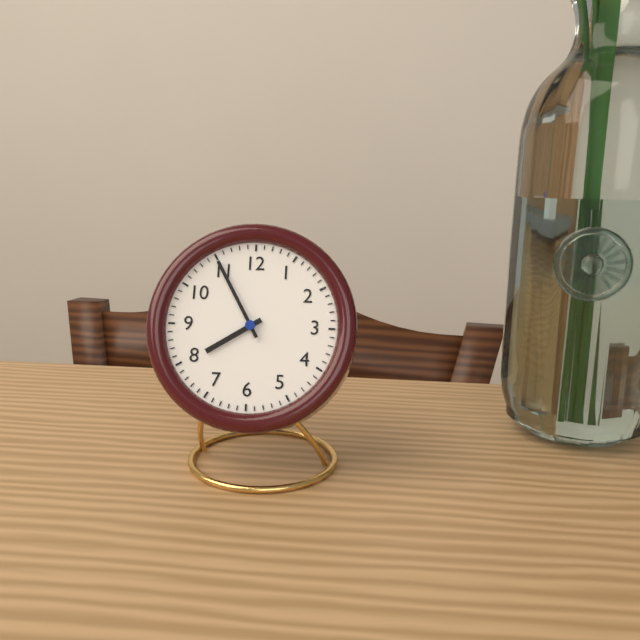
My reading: 7:55
